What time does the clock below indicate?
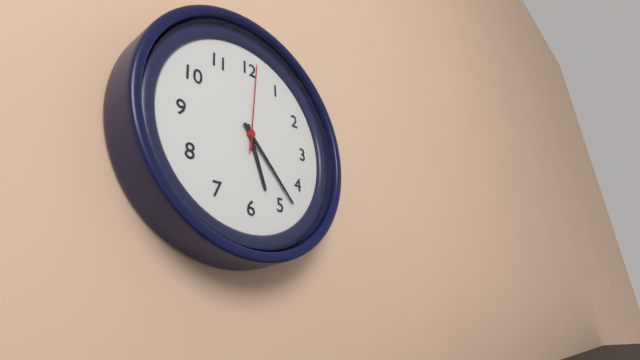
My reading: 5:23:01
